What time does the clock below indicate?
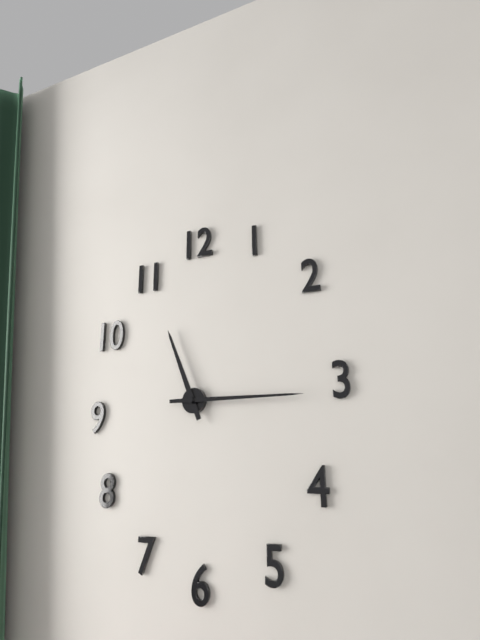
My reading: 11:15
